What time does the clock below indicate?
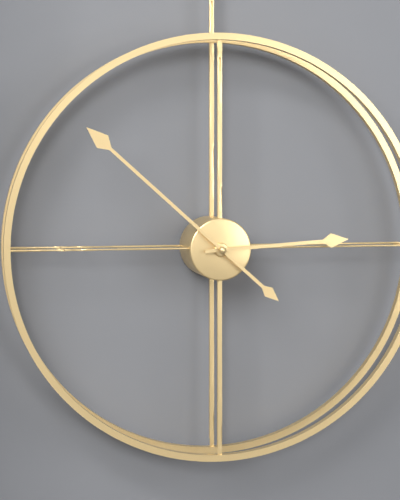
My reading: 2:52
